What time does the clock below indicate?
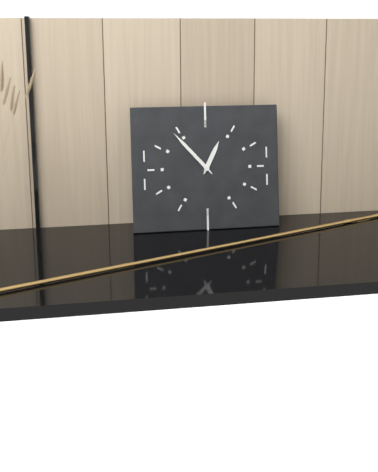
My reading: 12:53
